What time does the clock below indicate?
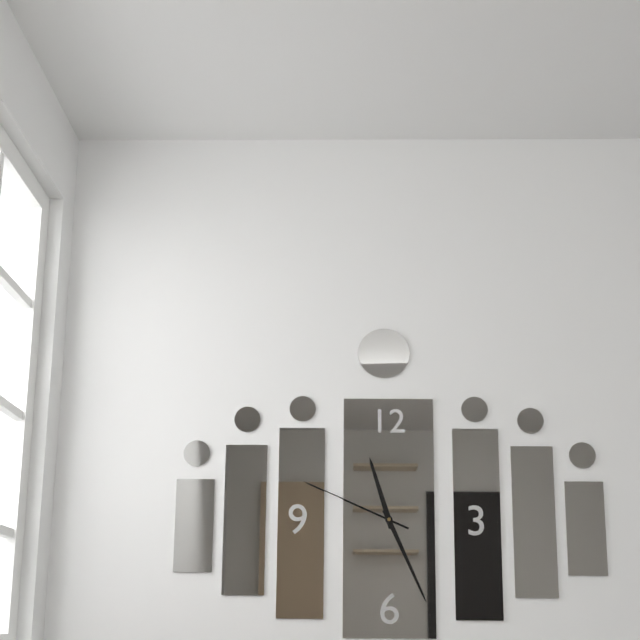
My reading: 11:26:49
